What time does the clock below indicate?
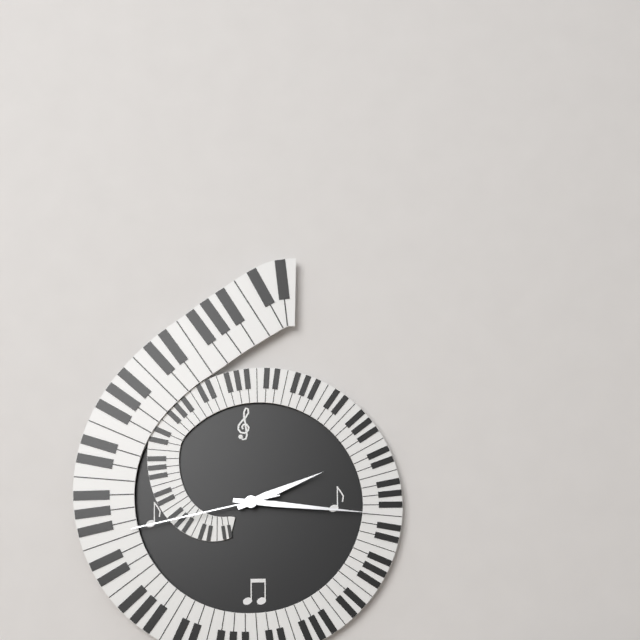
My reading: 2:16:43
